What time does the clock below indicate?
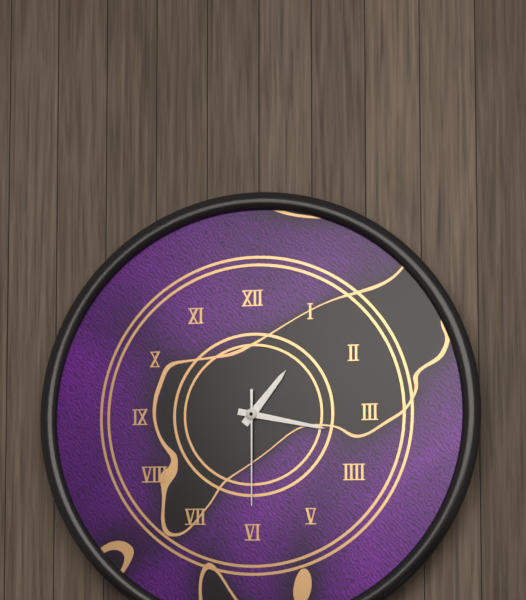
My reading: 1:17:30
